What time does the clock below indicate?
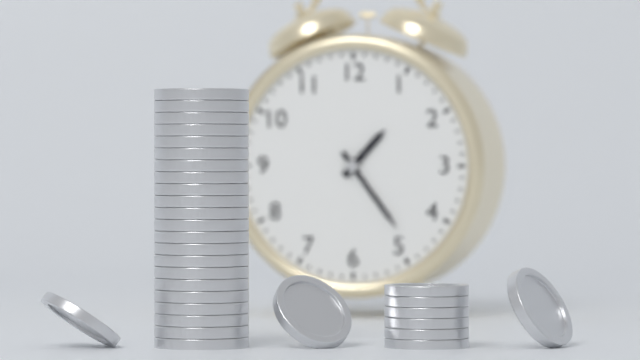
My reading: 1:24
